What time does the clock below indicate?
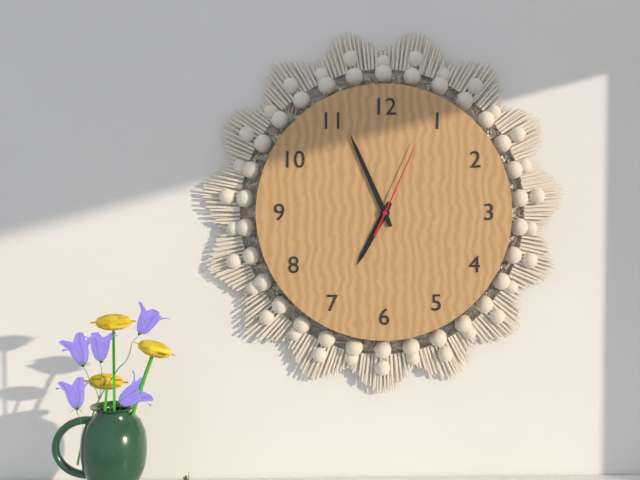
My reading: 6:56:04
